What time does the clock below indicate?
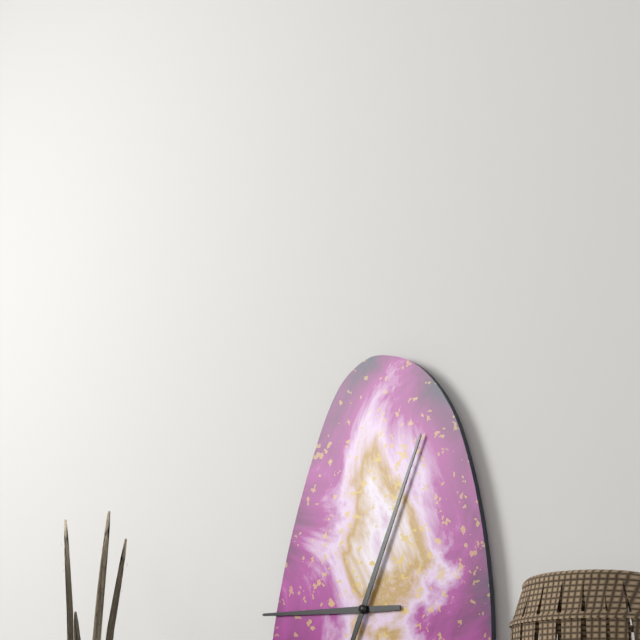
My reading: 9:04
